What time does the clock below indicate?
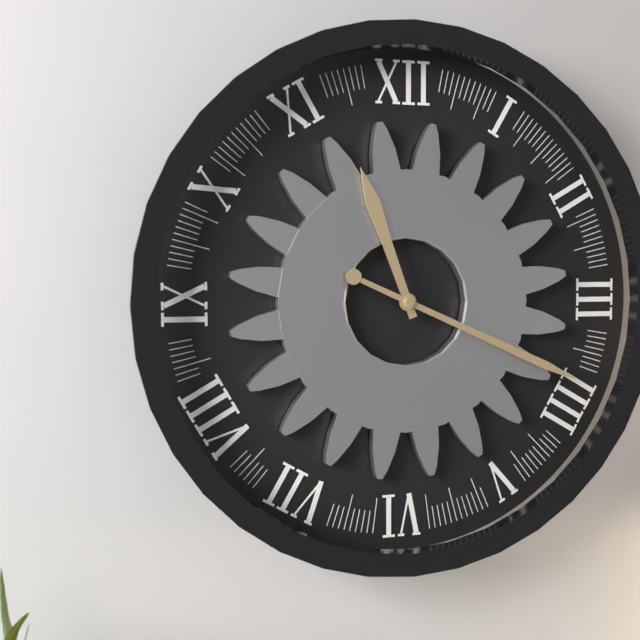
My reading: 11:19
